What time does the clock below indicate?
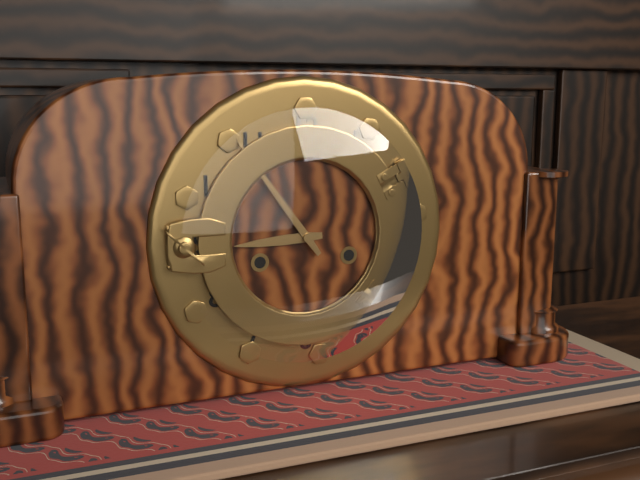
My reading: 8:54
